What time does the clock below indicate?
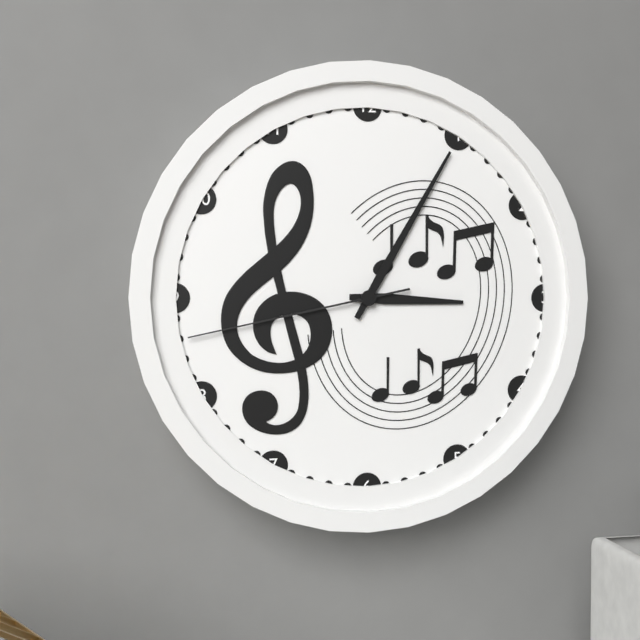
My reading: 3:05:43
